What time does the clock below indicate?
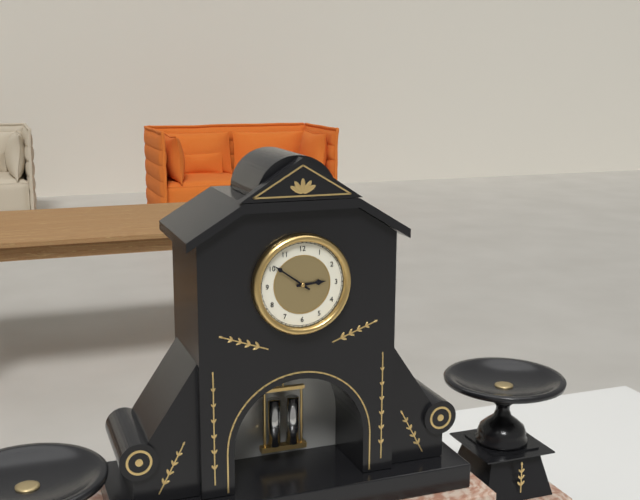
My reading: 2:51
